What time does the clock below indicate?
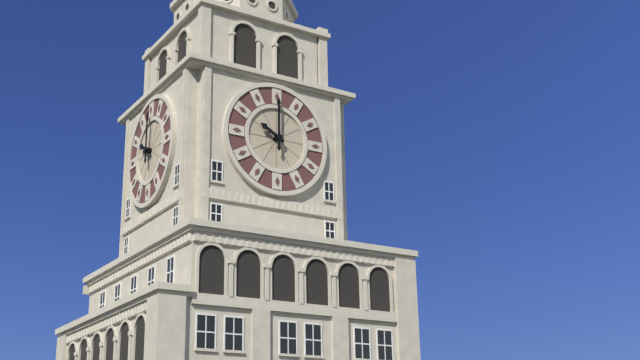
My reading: 10:00
